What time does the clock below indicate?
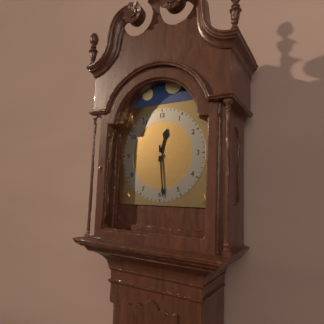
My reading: 12:29
